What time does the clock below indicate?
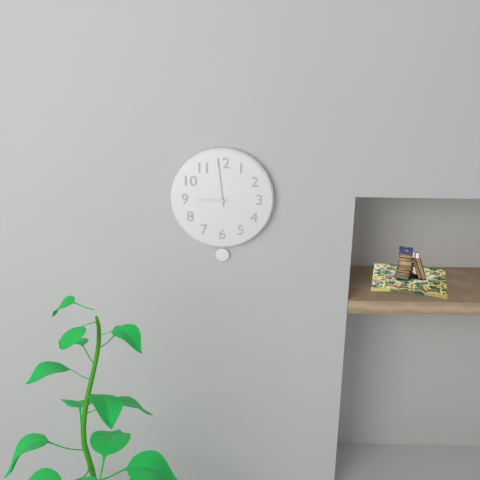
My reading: 8:59
